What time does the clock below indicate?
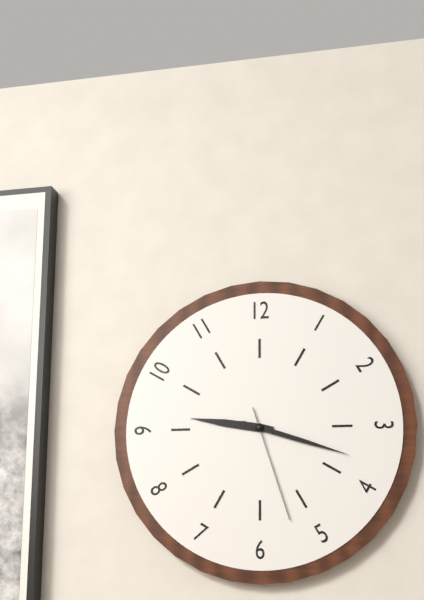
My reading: 9:18:27
